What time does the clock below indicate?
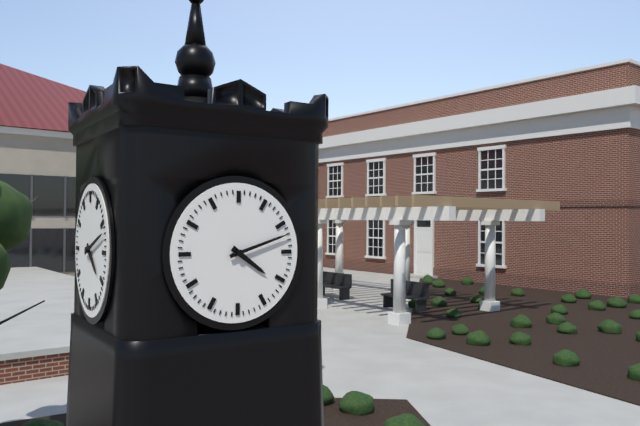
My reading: 4:12
